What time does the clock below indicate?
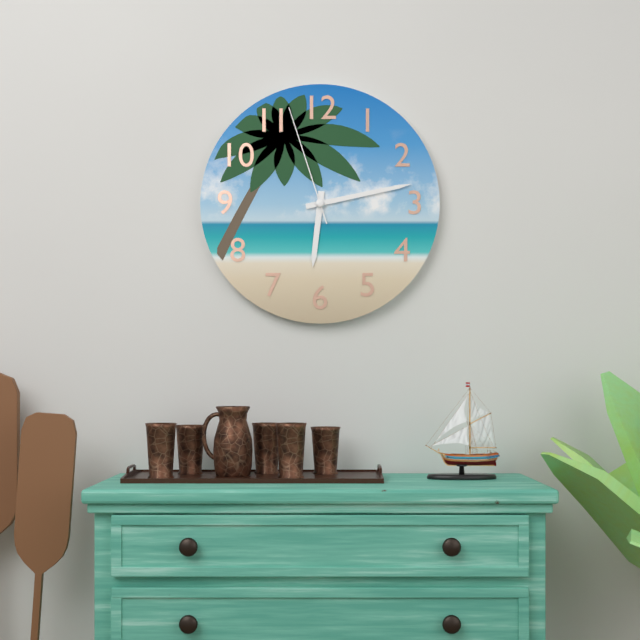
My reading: 6:13:57
